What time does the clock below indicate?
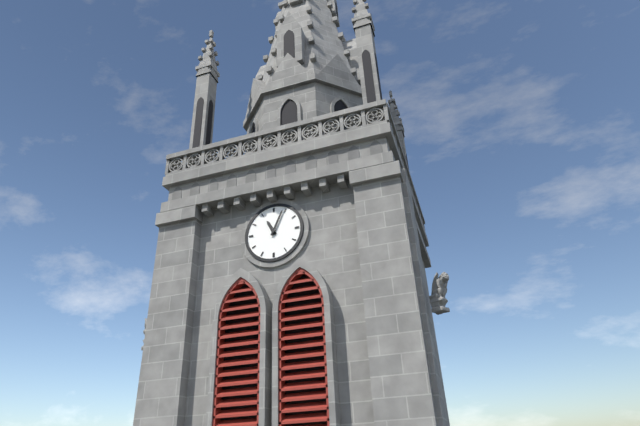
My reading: 11:04
